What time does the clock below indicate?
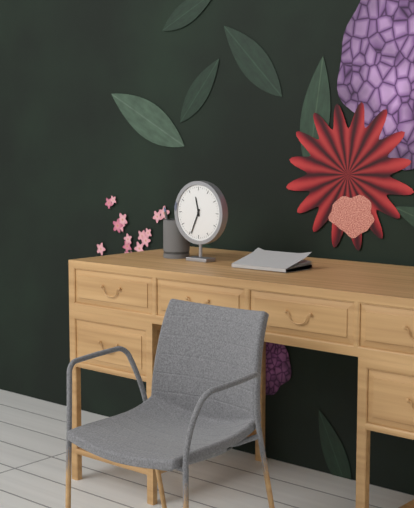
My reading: 11:34
